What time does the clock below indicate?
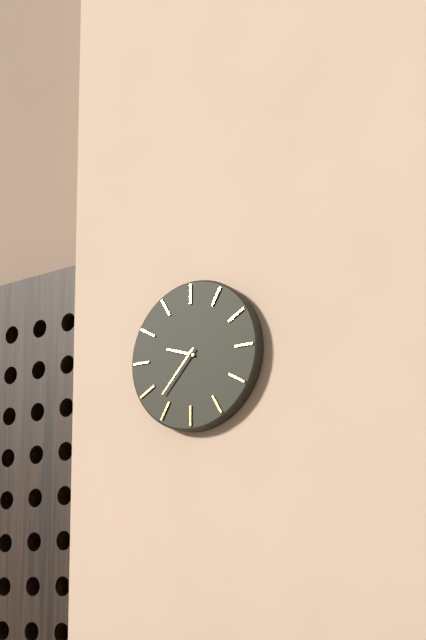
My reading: 9:37
